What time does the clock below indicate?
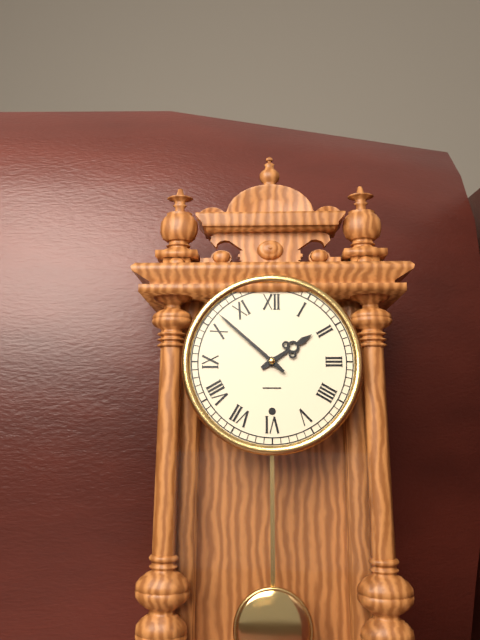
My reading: 1:52
